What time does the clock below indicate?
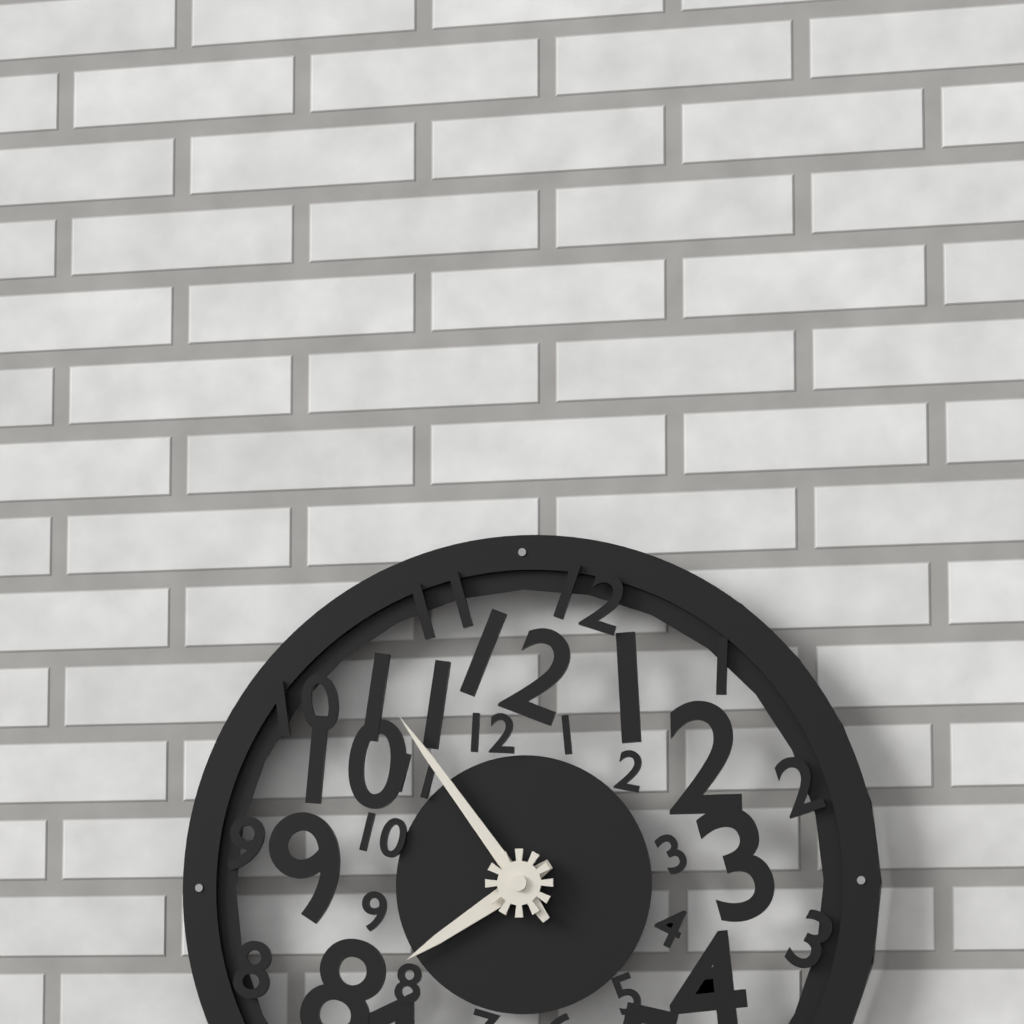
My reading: 7:54
